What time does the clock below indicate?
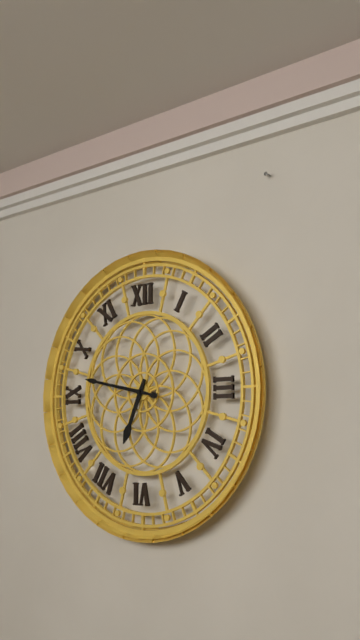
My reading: 6:47
